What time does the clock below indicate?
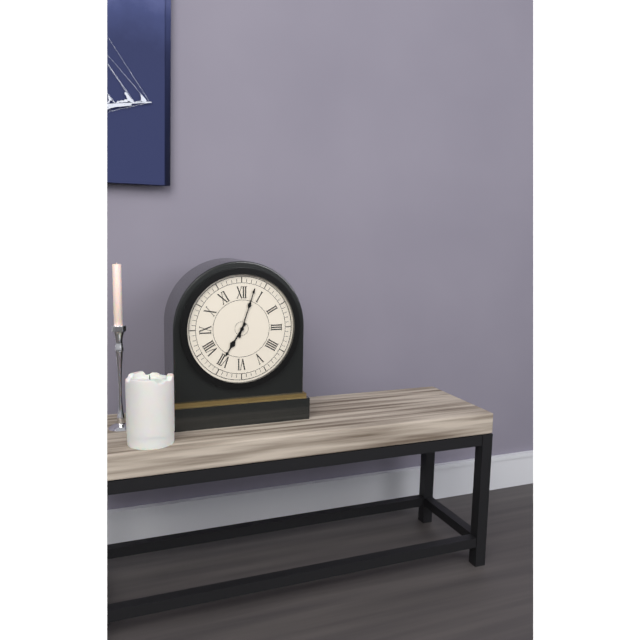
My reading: 7:03
